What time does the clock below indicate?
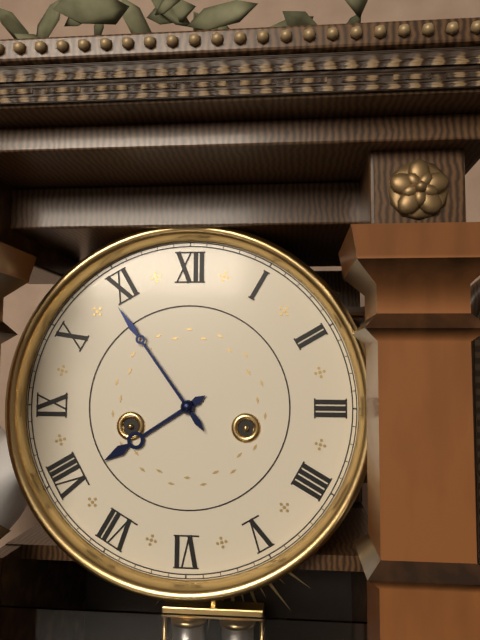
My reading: 7:54
